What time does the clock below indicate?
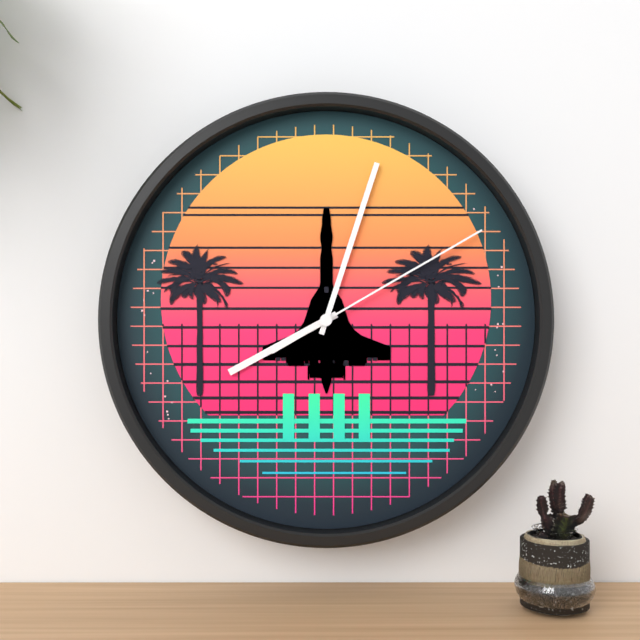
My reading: 8:03:10
